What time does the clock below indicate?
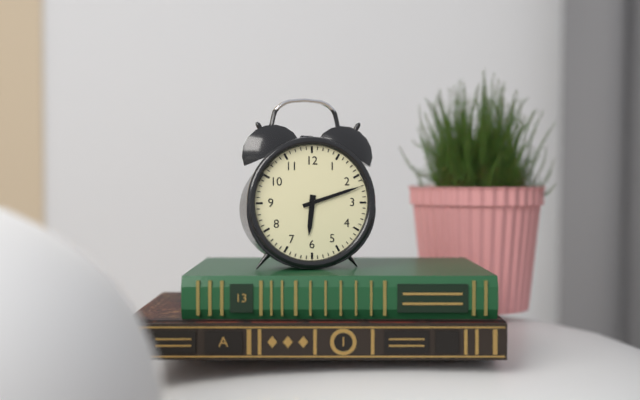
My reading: 6:12
